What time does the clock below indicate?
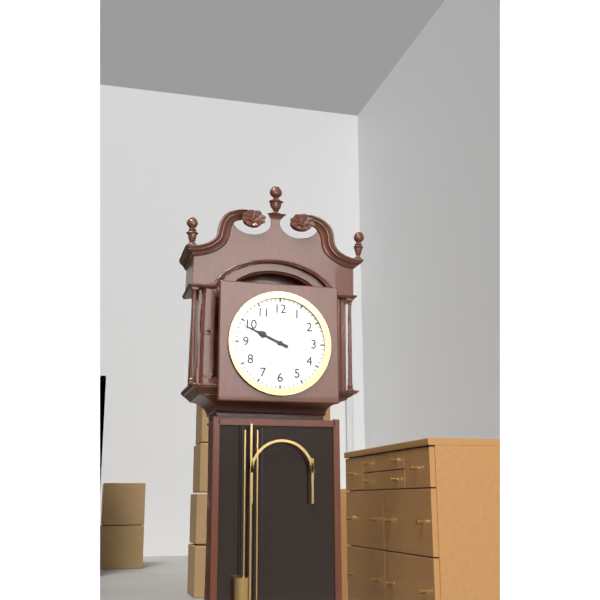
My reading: 9:49
